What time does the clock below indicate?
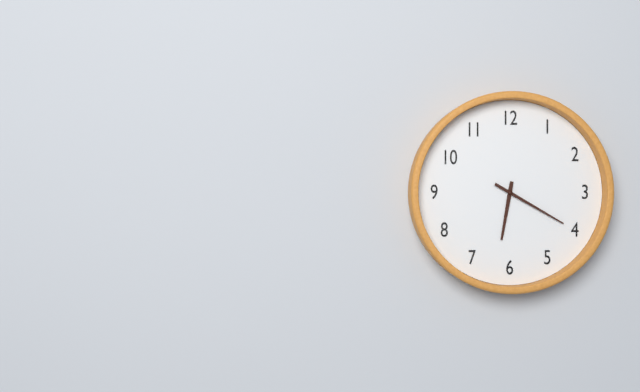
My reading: 6:20
